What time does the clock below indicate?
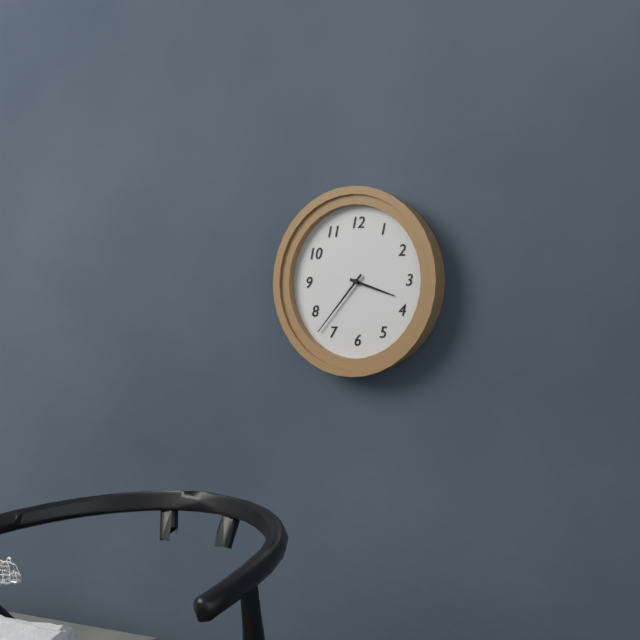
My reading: 3:37
